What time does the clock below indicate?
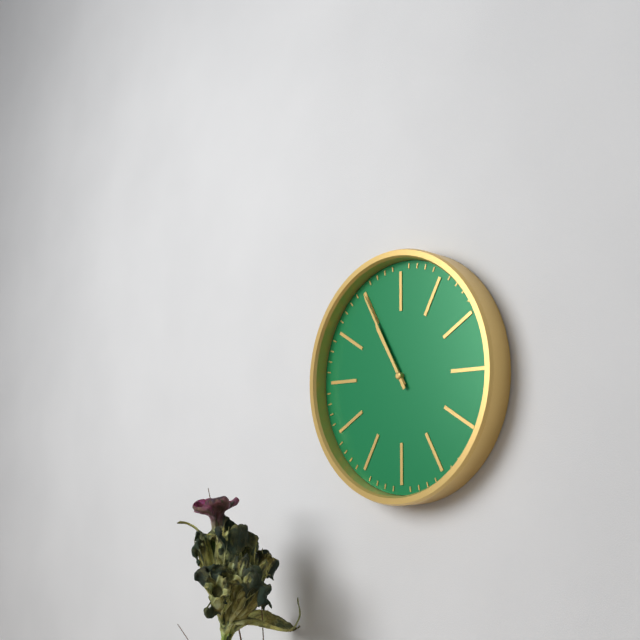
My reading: 10:55
